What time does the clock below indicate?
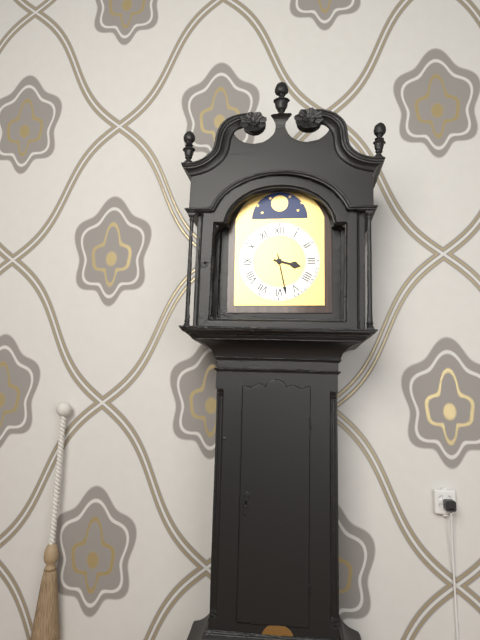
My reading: 3:28
